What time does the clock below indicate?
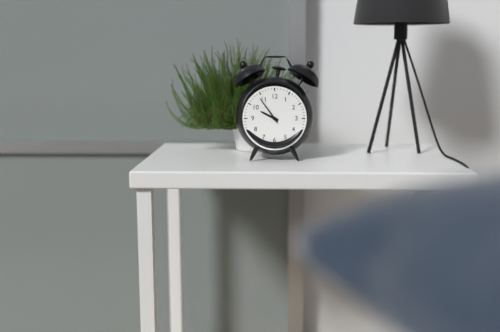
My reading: 9:54
